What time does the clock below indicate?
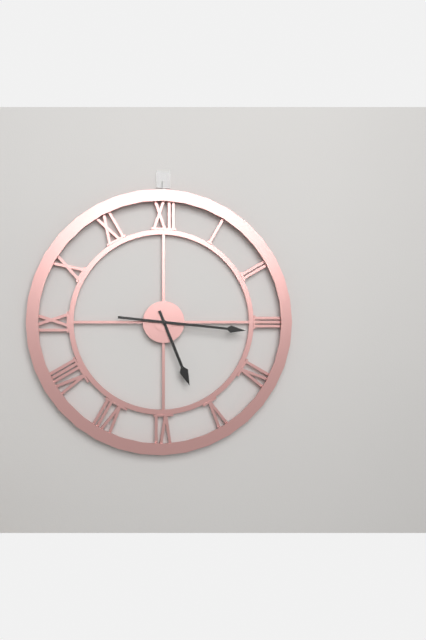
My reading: 5:16
